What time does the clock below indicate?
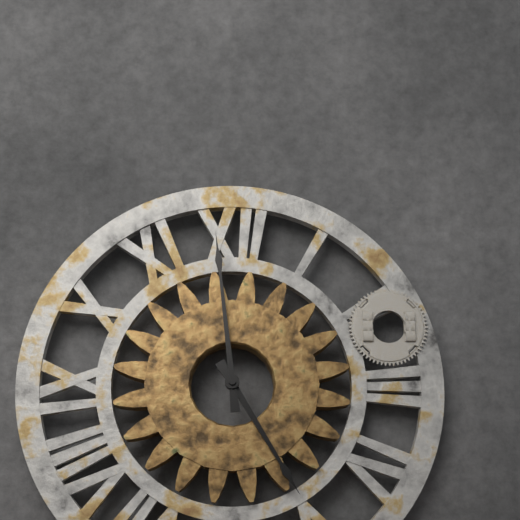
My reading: 4:59
